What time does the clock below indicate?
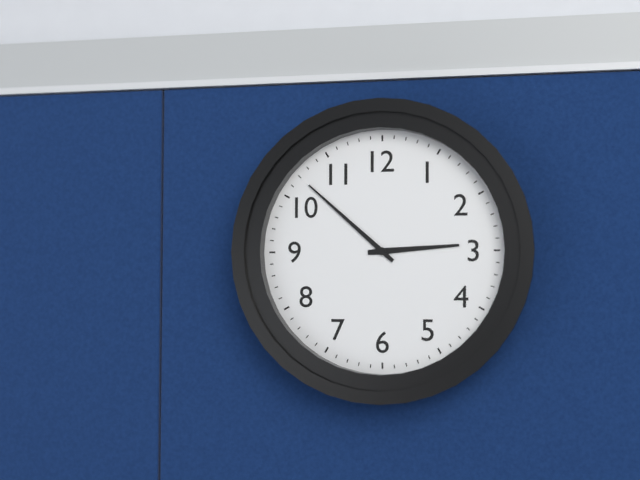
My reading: 2:52
